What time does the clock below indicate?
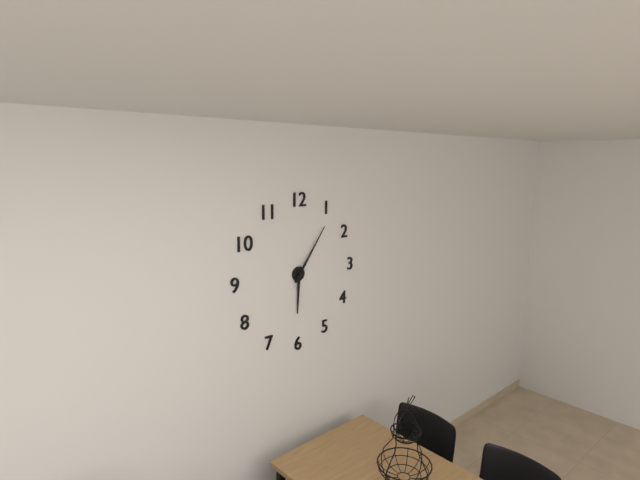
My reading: 6:06
